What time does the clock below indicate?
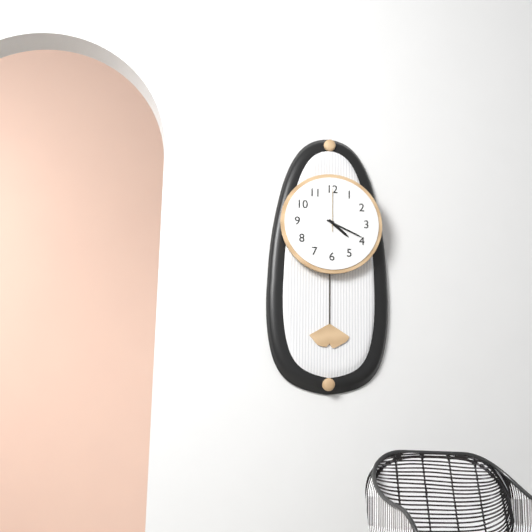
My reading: 4:19
